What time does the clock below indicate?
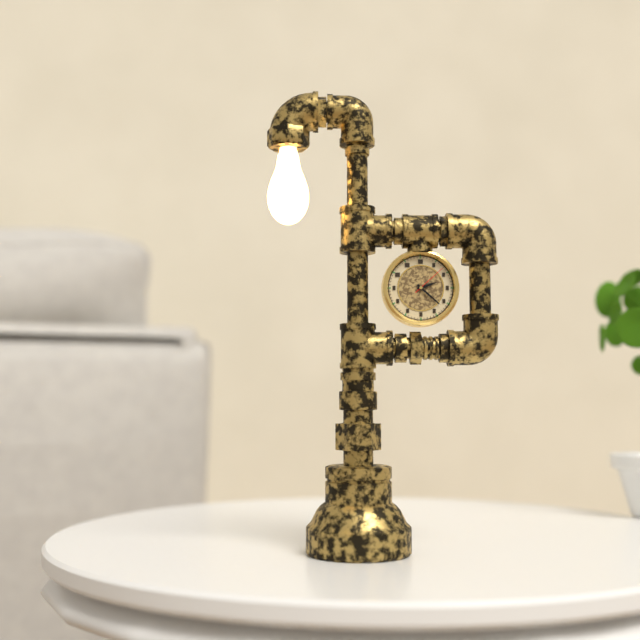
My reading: 2:22
